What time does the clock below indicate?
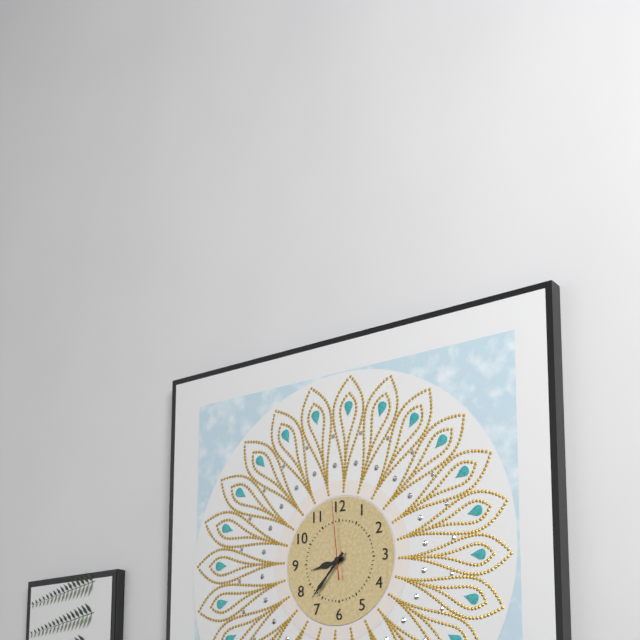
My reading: 8:37:59
